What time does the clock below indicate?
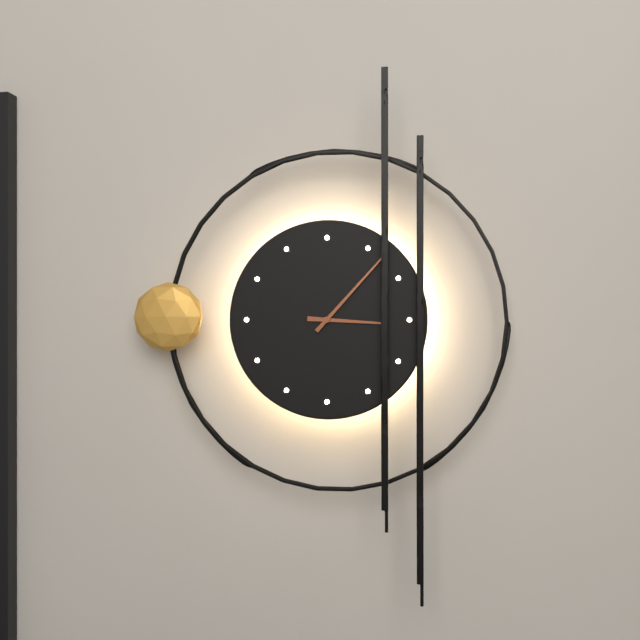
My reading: 3:07
